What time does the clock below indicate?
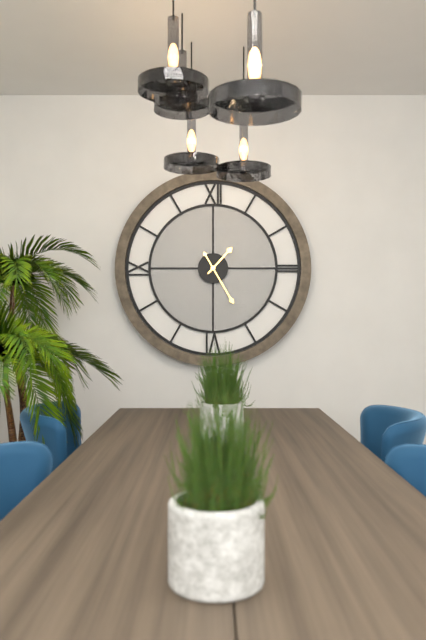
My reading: 1:25
